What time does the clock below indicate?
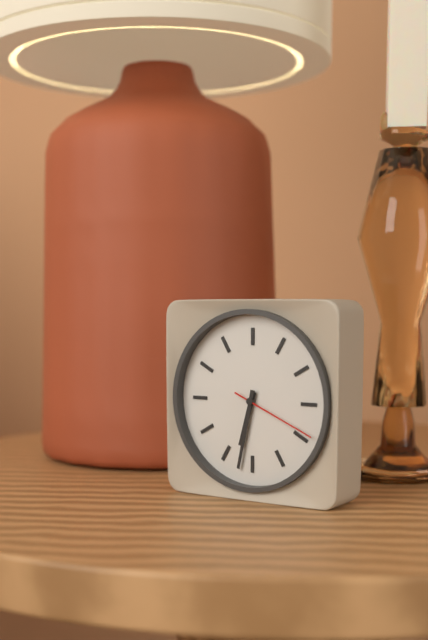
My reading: 6:32:19
